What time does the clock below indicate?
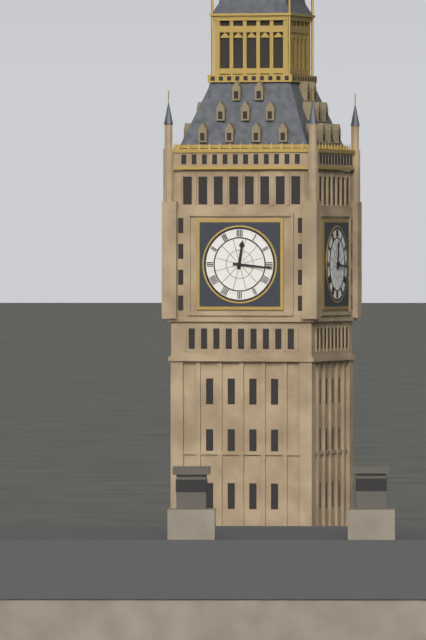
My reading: 12:16
